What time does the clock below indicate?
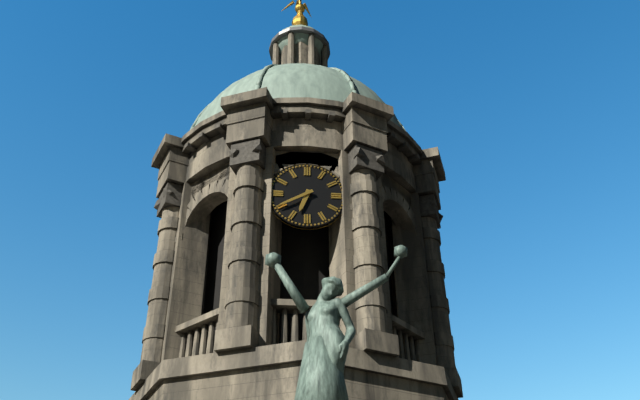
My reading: 6:40
